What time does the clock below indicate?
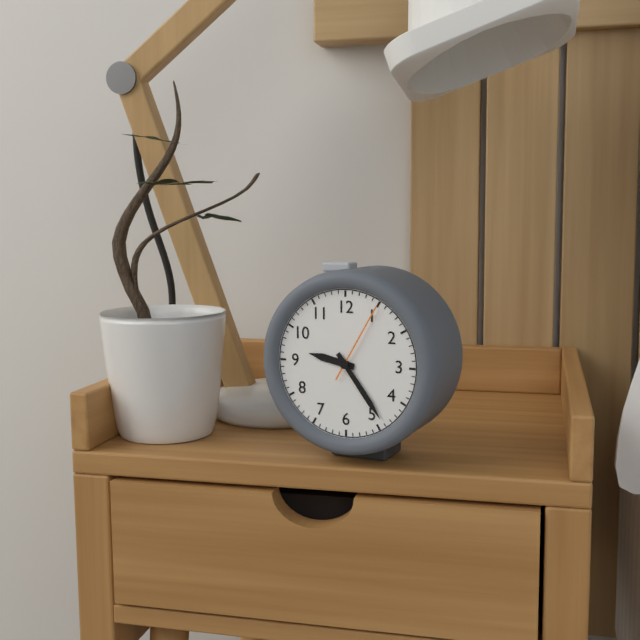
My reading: 9:24:05
